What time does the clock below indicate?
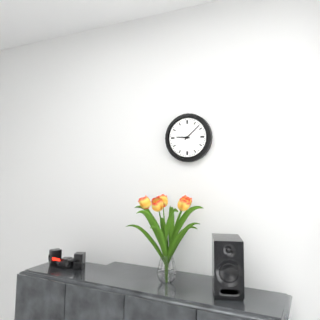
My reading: 9:08
